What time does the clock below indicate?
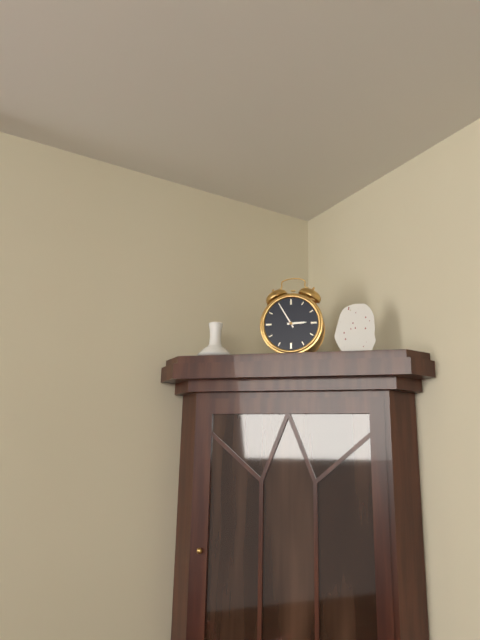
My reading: 2:55
